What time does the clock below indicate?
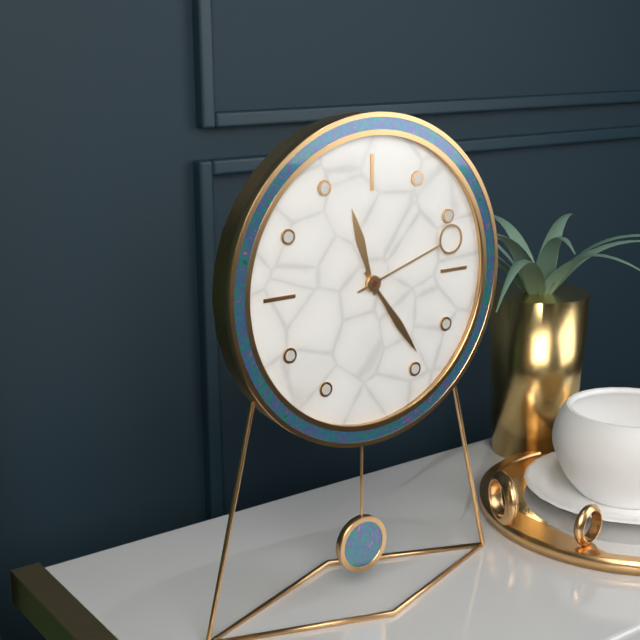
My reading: 11:24:12
